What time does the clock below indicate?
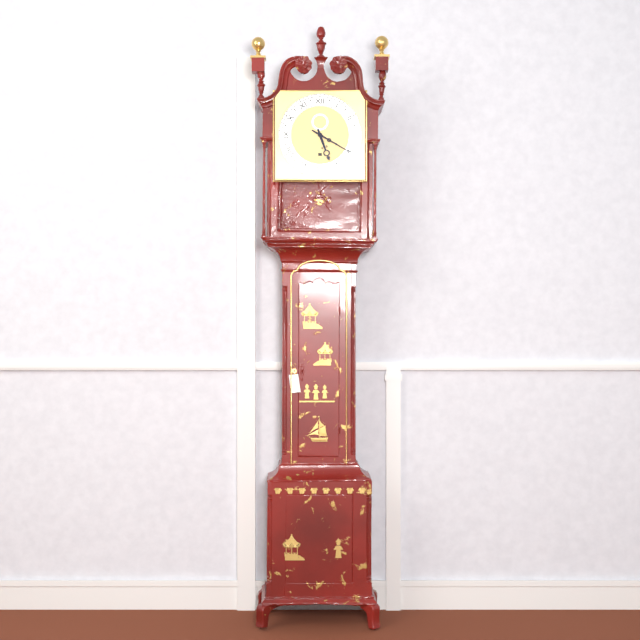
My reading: 5:20
